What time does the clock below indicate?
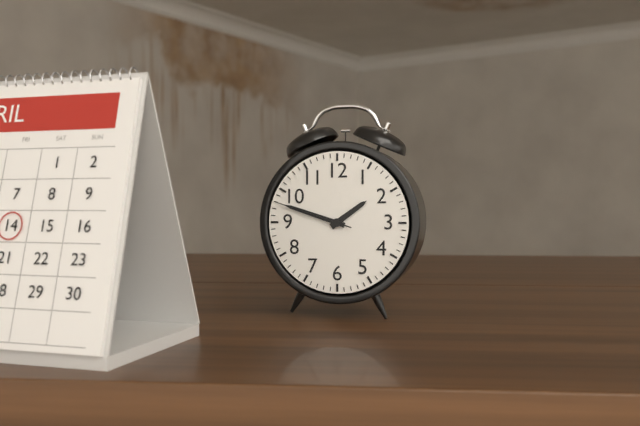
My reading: 1:48:48
